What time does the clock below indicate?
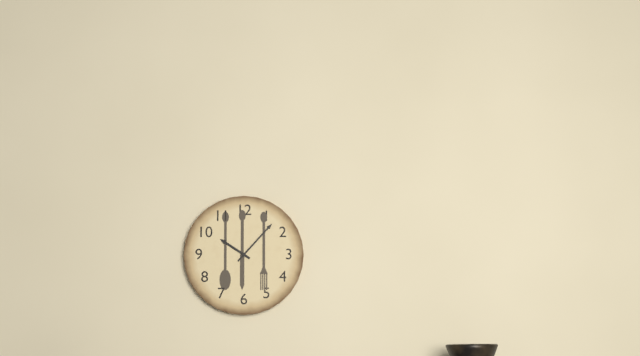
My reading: 10:07
